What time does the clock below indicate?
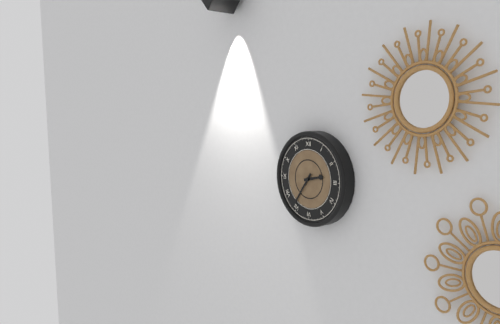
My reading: 2:36
